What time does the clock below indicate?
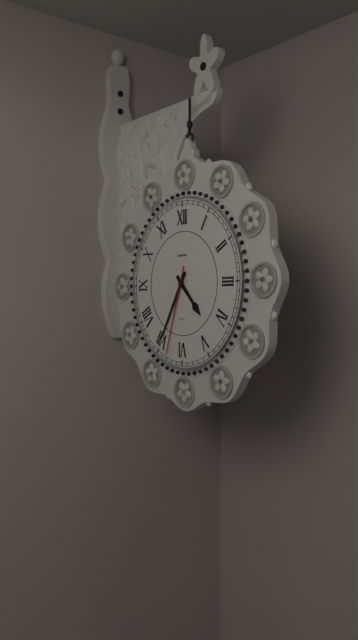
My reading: 4:35:33
